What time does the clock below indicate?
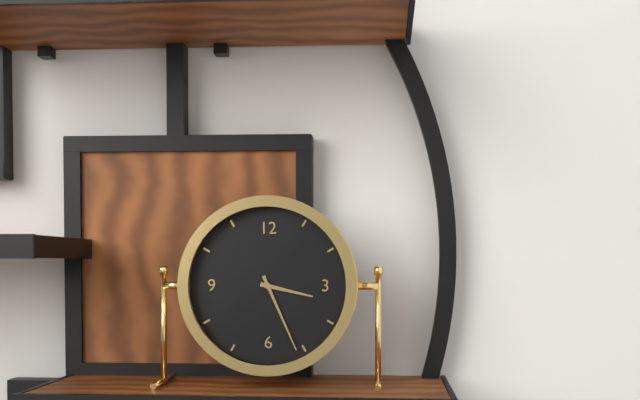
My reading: 3:26
